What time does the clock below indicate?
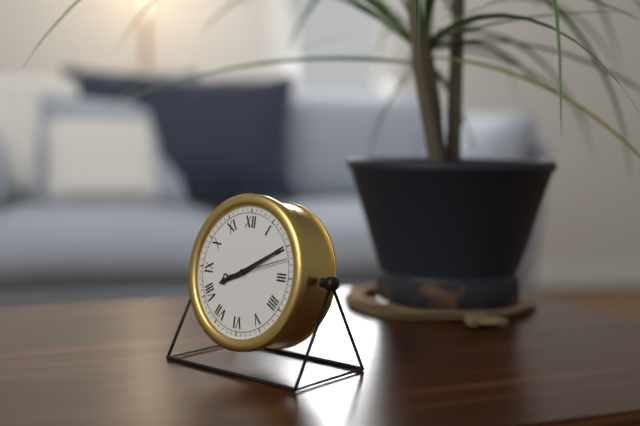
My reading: 8:10:12
